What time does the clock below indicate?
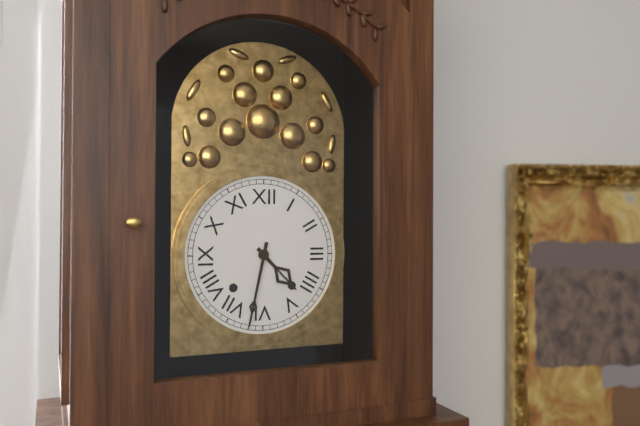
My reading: 4:32
